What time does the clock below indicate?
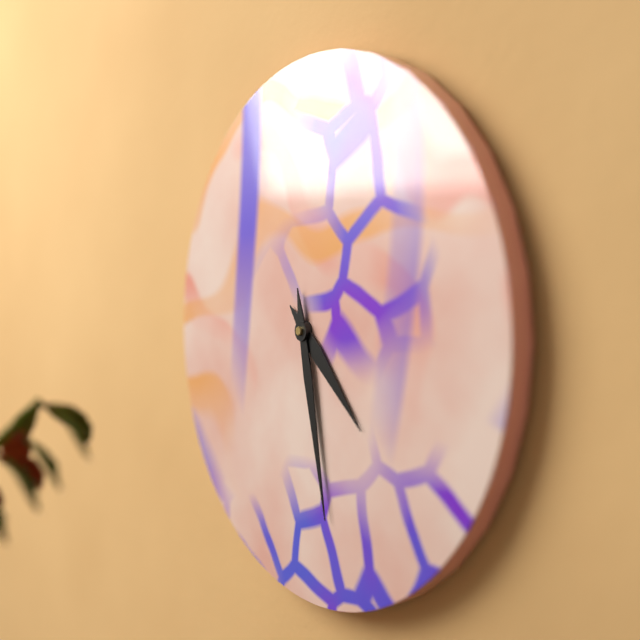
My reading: 4:28
